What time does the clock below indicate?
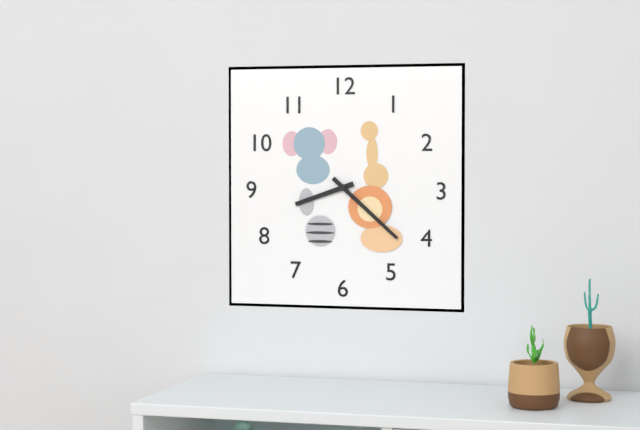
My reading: 8:22
